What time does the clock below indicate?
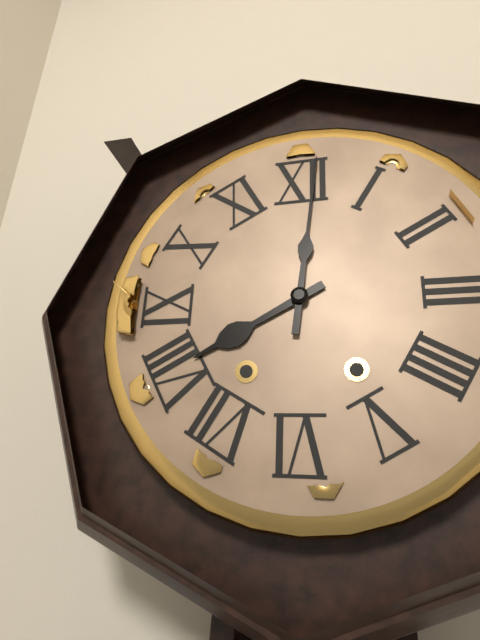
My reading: 8:01
